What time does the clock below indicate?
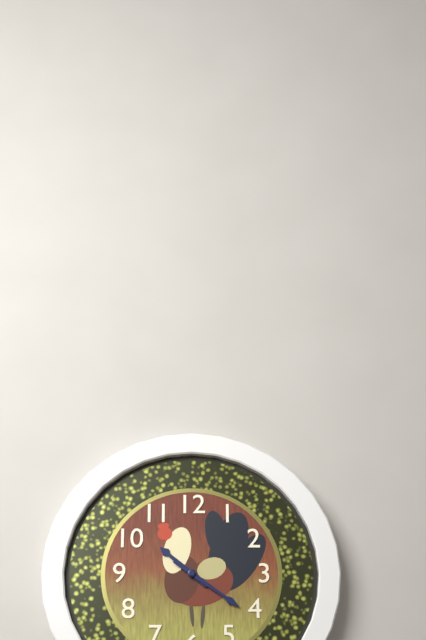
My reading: 10:21
